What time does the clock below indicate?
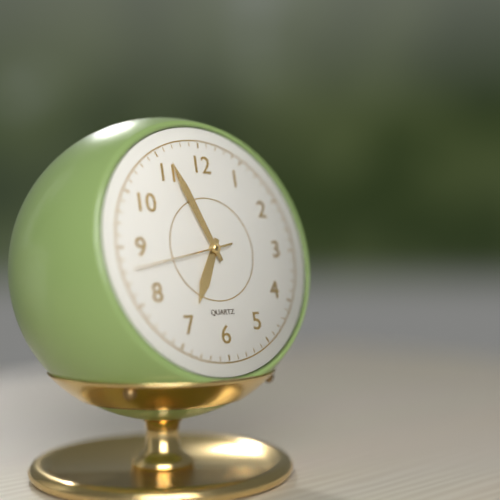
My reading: 6:56:43
